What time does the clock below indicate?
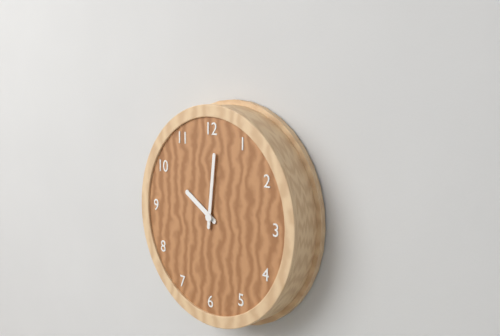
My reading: 10:01
